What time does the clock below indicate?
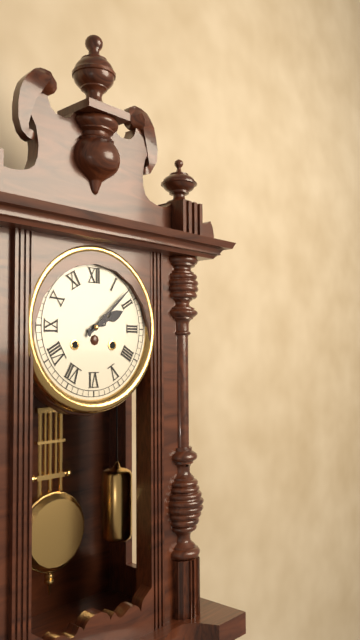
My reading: 2:08
